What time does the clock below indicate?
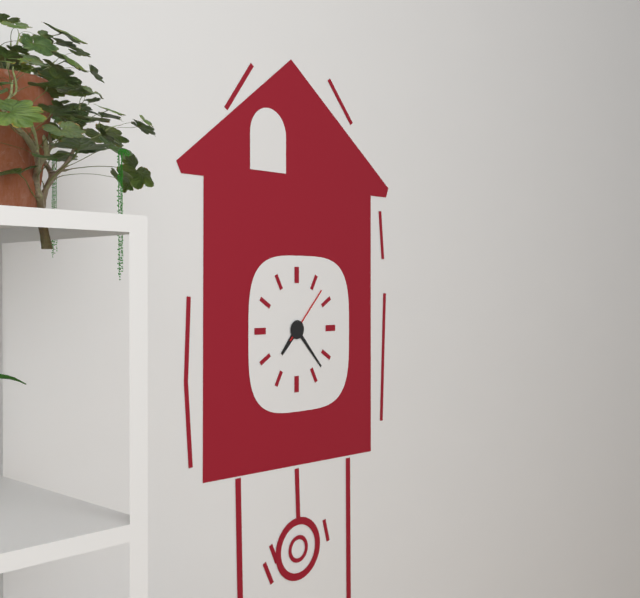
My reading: 7:23:07
